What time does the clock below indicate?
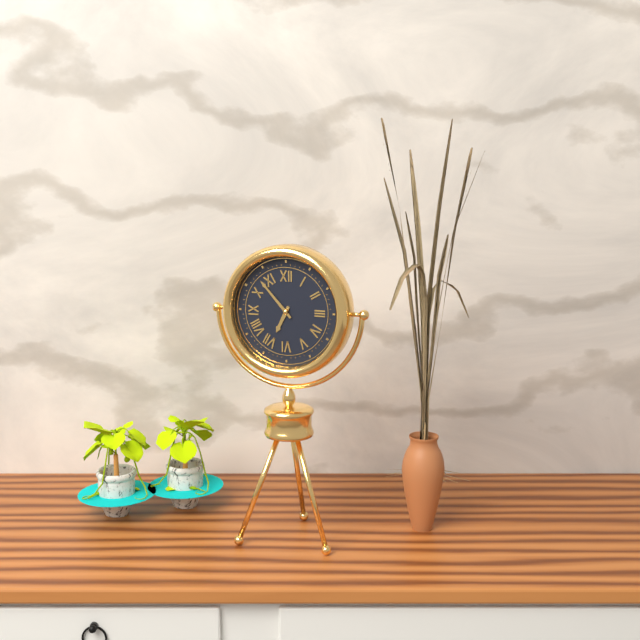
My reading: 6:53
